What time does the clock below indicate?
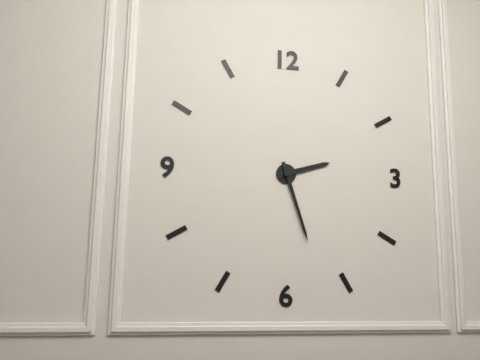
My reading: 2:27
